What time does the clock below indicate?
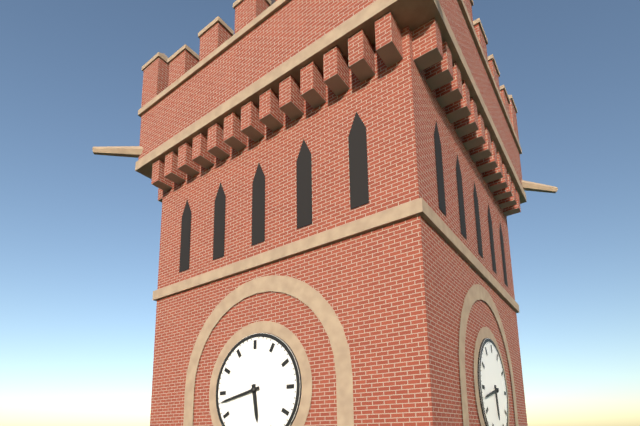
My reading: 5:43
